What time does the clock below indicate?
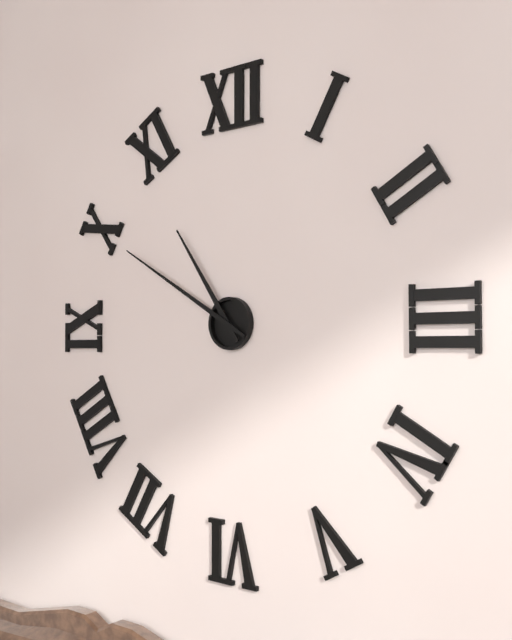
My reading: 10:50
